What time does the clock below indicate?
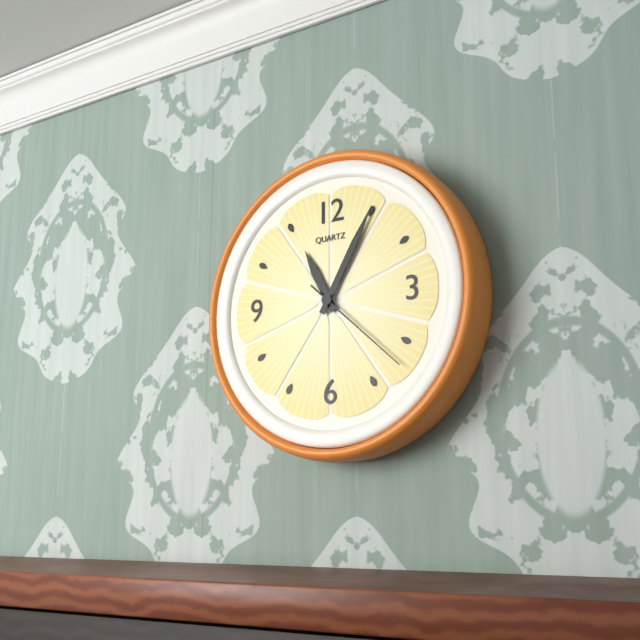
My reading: 11:05:22
